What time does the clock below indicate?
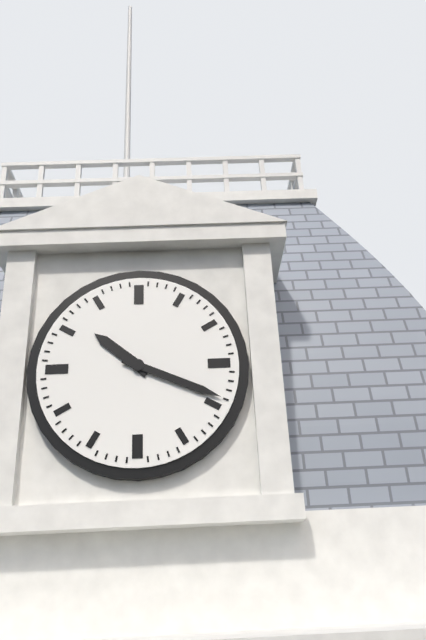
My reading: 10:19
